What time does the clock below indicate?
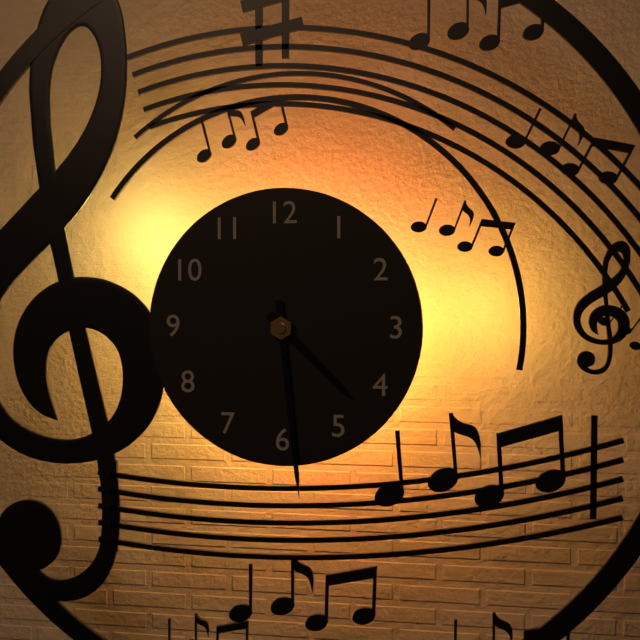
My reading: 4:29
